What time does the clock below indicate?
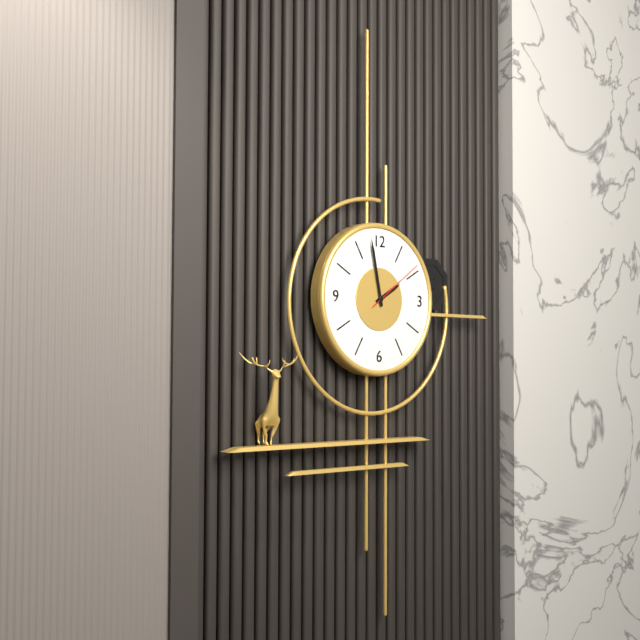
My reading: 1:58:09
